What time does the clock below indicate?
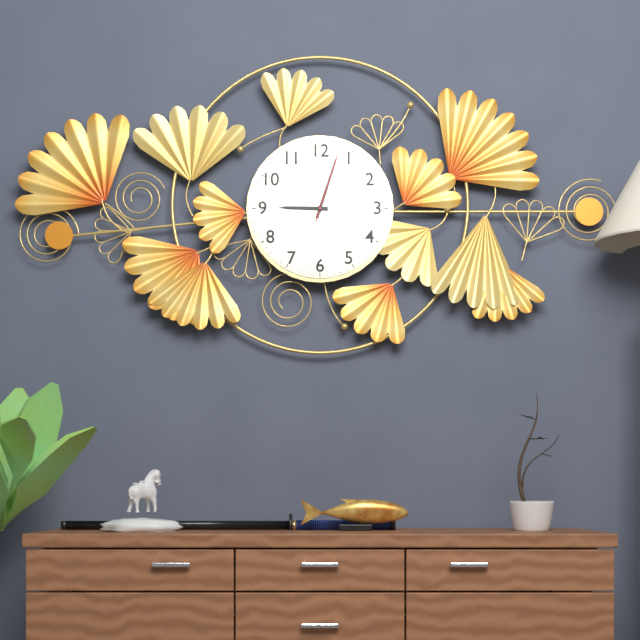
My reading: 9:03:03
